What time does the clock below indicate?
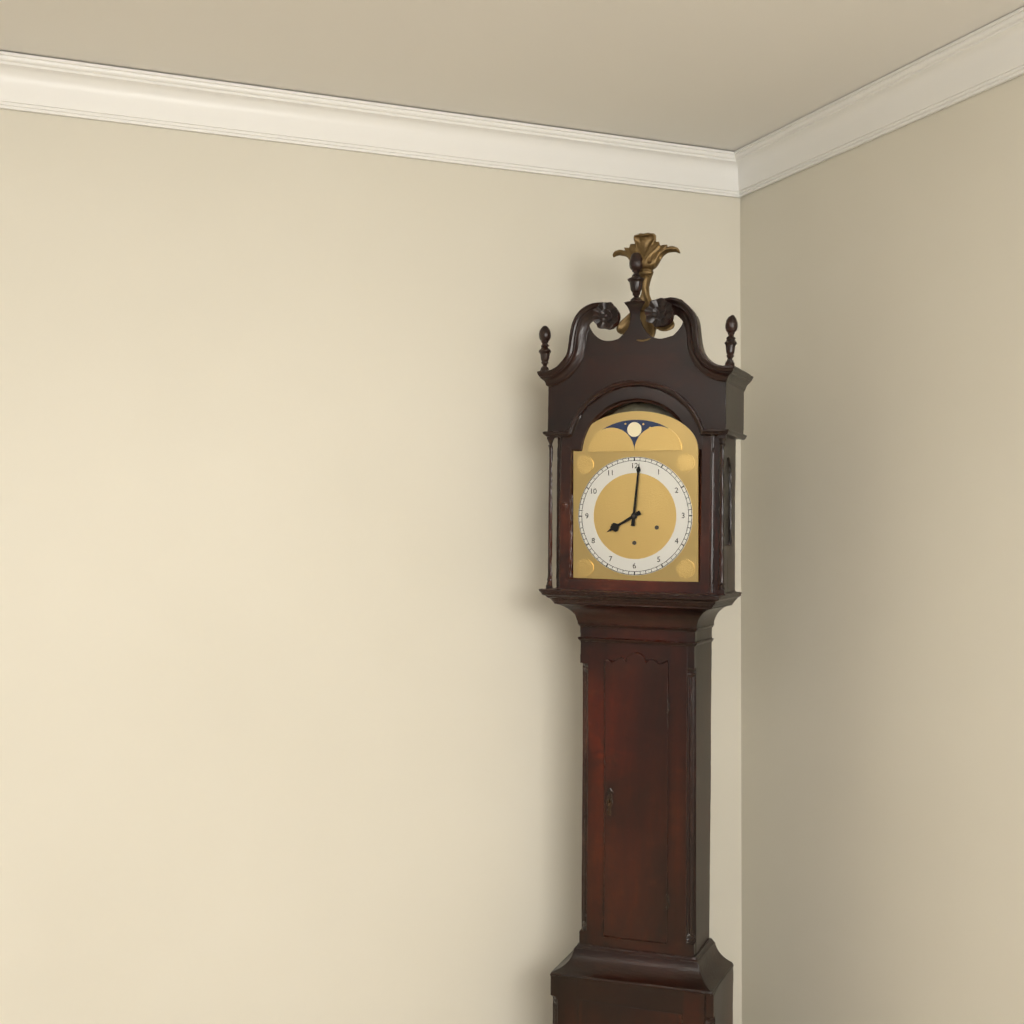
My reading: 8:01
